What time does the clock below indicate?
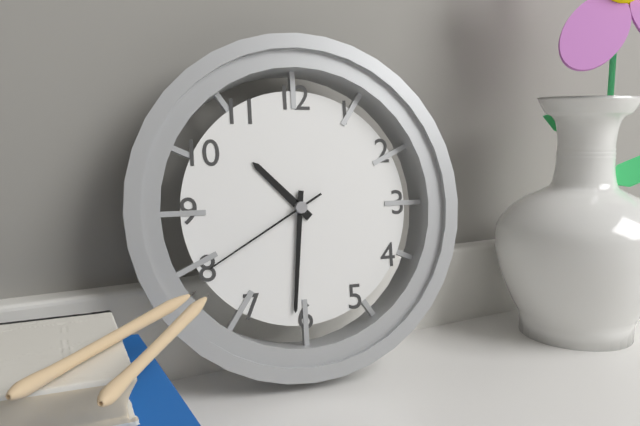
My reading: 10:31:40
